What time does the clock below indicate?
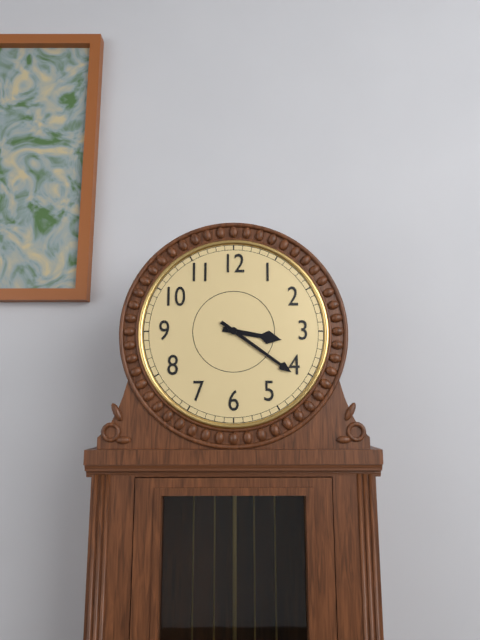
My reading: 3:21
